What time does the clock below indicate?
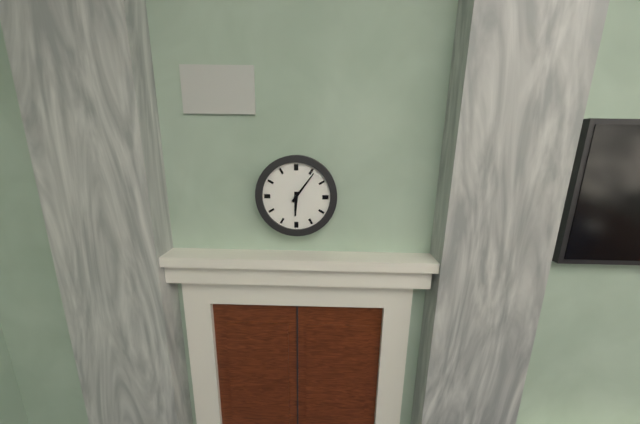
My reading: 6:06
